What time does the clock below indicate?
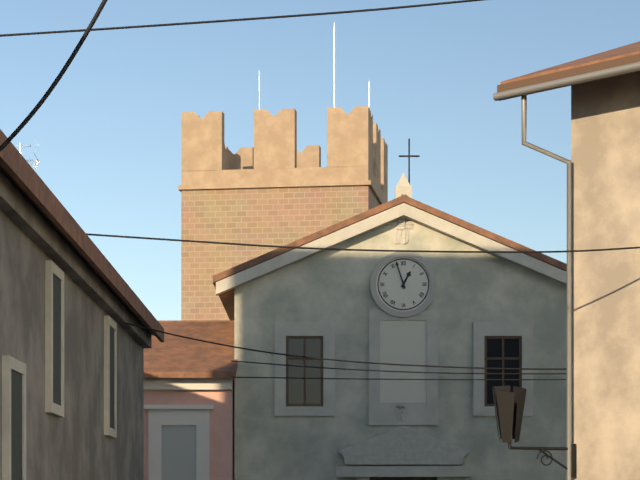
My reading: 12:57
